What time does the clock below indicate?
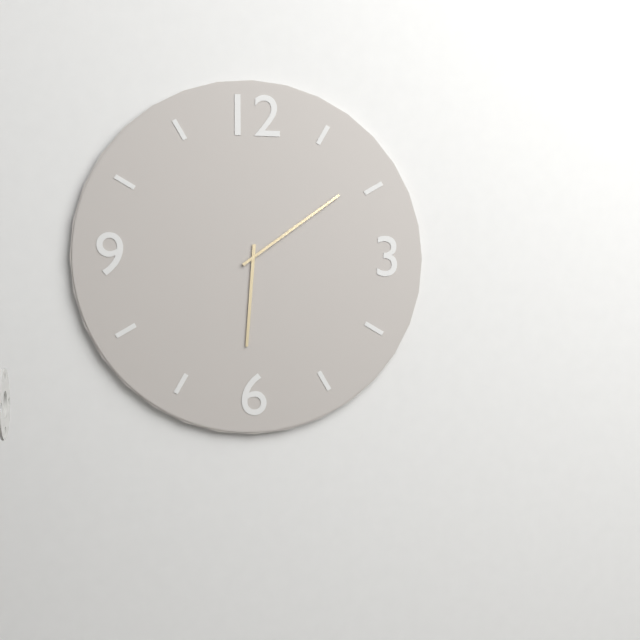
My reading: 6:09
